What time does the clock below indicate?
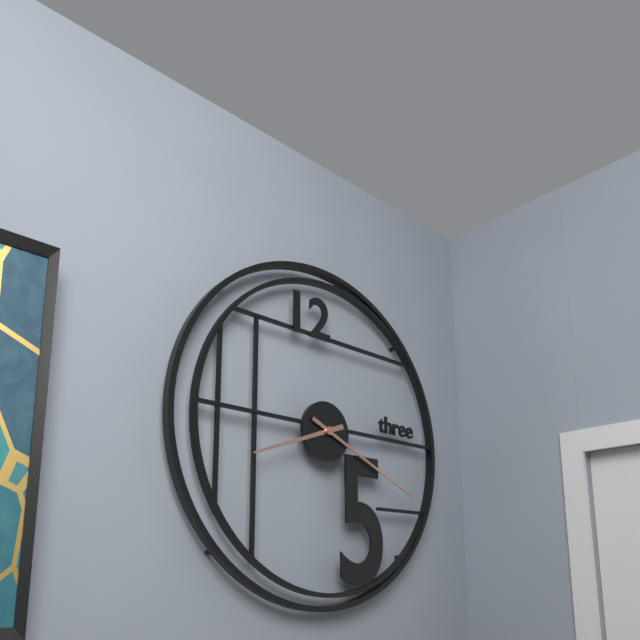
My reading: 8:19
